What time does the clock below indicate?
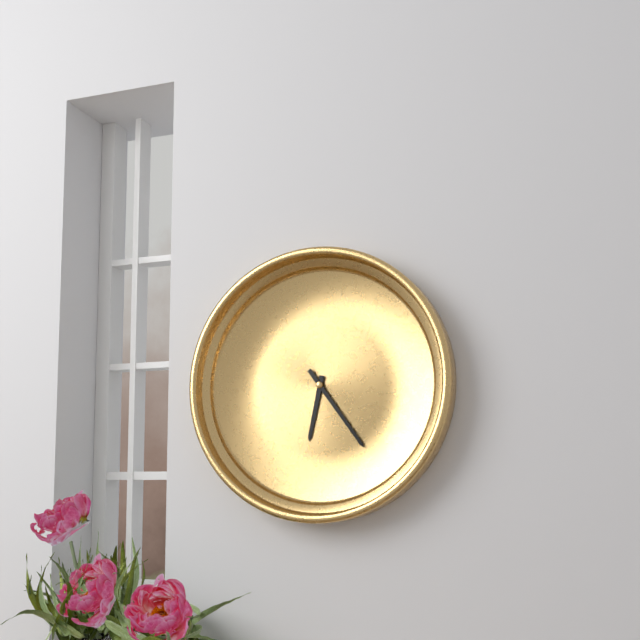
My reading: 6:24
